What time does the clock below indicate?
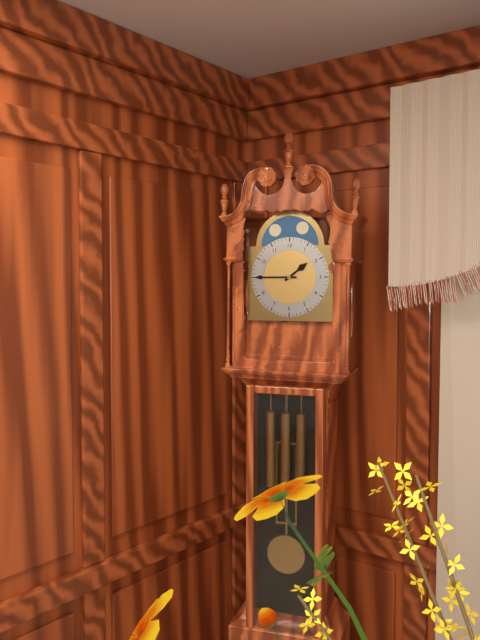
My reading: 1:45
